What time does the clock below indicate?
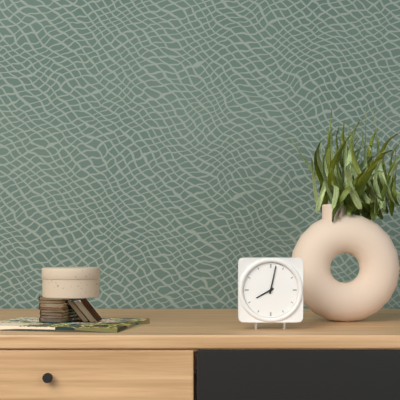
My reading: 8:02
